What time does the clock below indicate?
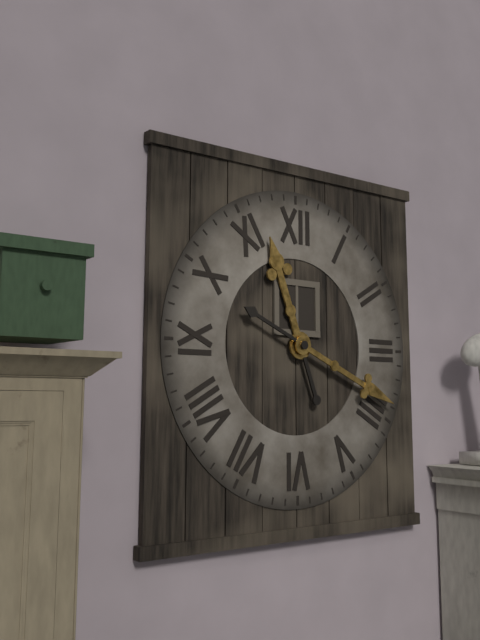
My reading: 11:19
